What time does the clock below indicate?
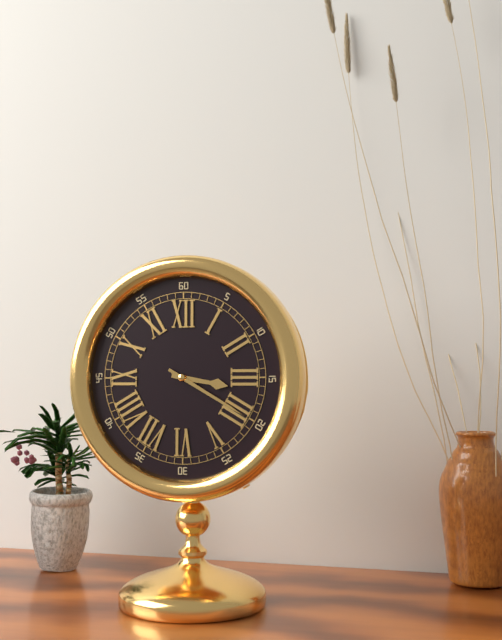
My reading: 3:20
